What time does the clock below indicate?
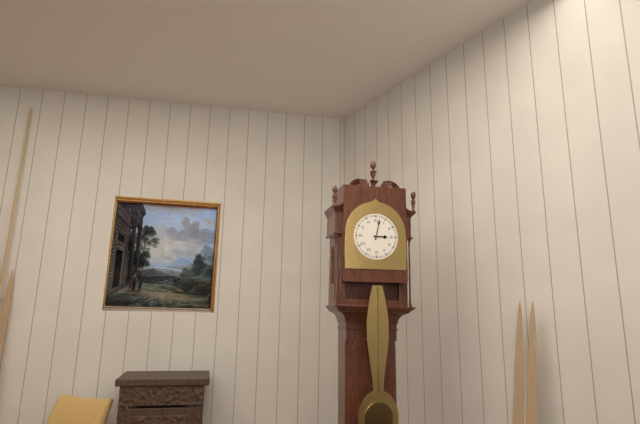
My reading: 3:02
